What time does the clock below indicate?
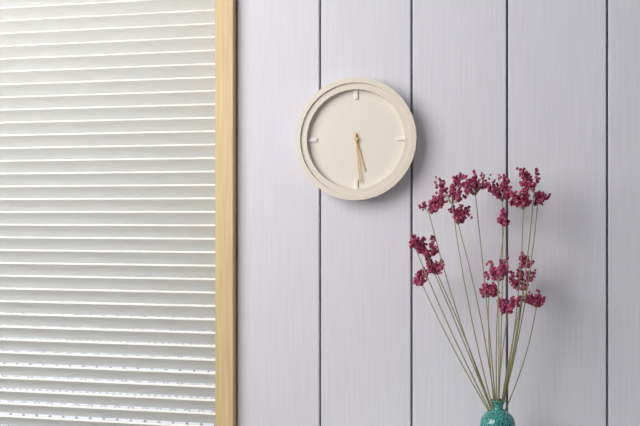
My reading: 5:29
